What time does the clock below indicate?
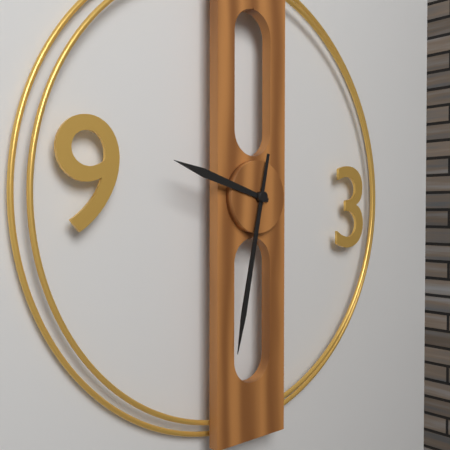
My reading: 9:32
